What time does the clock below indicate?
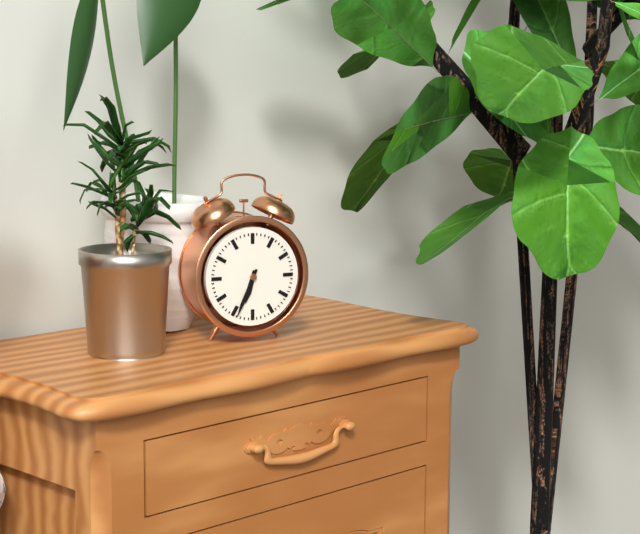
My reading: 6:34
